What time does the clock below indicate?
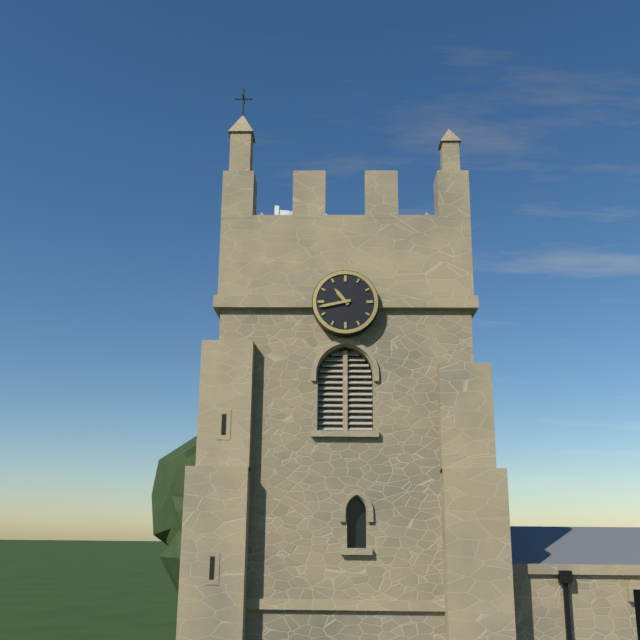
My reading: 10:43
